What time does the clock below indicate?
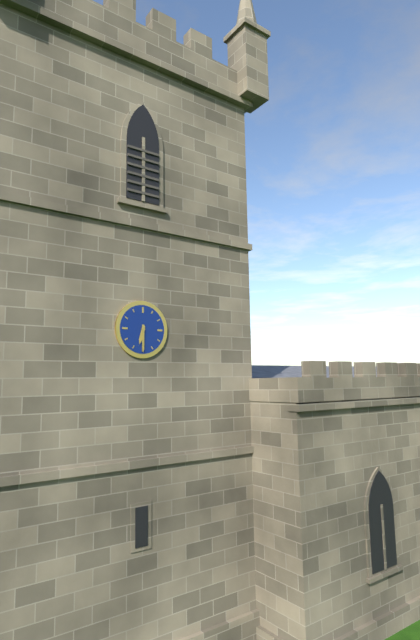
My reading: 6:30
